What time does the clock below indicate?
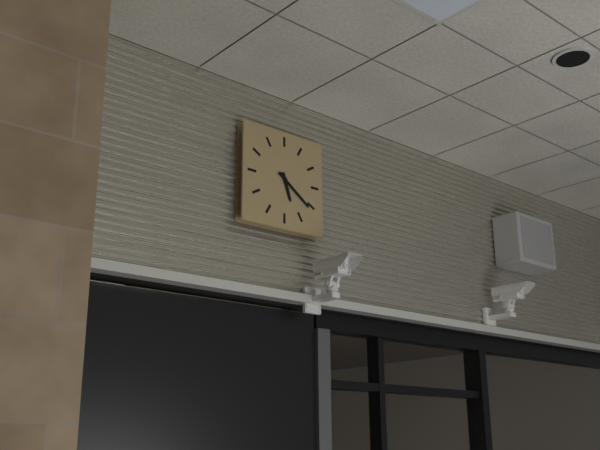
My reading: 5:21
